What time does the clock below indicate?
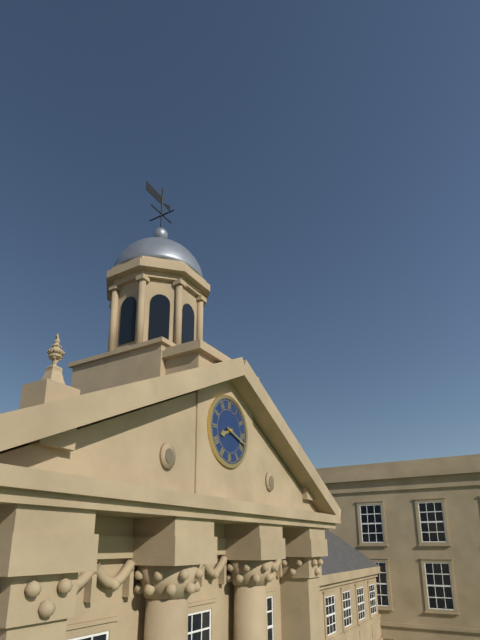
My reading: 8:18
